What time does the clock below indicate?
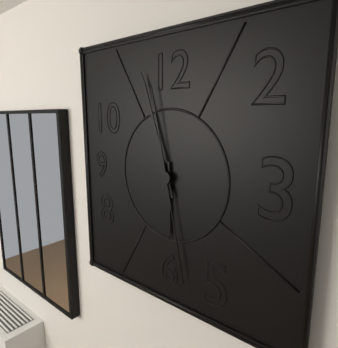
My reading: 5:57:28
